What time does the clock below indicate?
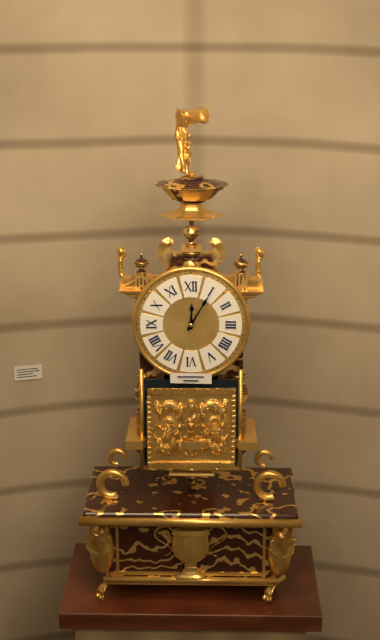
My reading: 12:05
